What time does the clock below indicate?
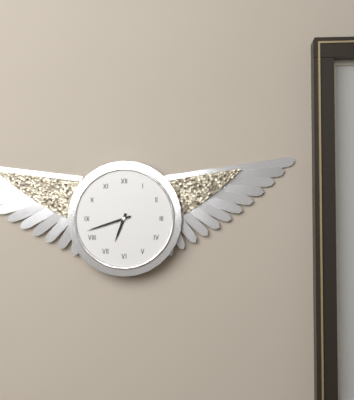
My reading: 6:42
